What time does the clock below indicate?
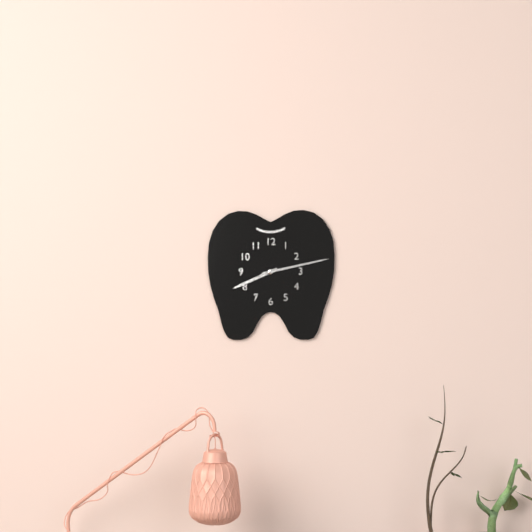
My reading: 8:13
